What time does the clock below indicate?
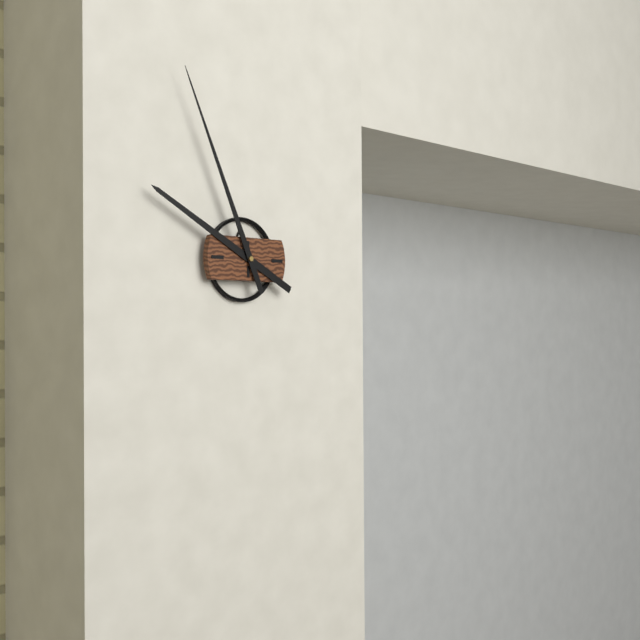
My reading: 9:56
